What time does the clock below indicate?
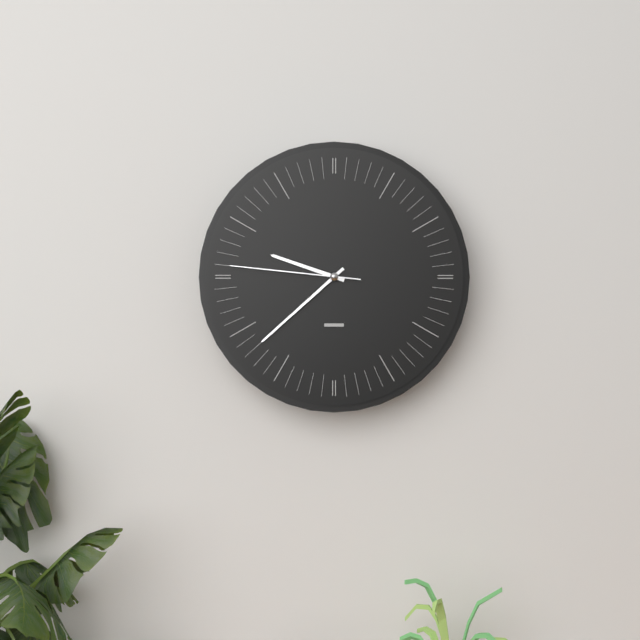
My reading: 9:38:46
